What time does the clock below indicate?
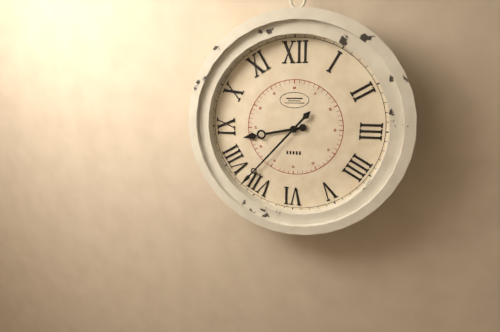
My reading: 8:37
